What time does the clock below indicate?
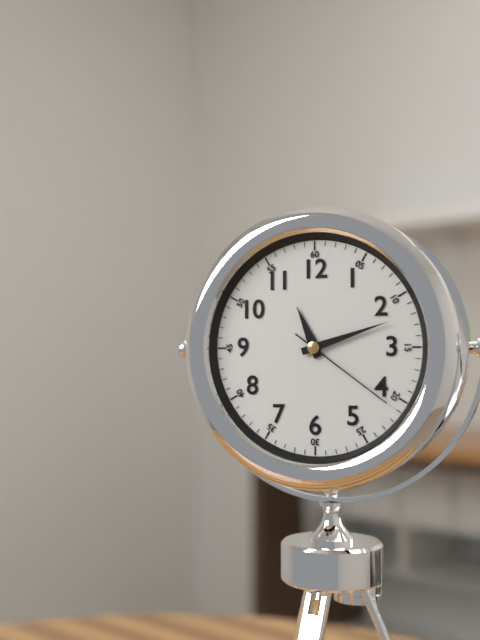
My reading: 11:12:21
